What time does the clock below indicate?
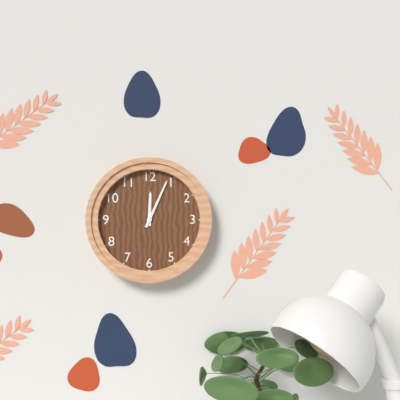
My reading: 12:04
